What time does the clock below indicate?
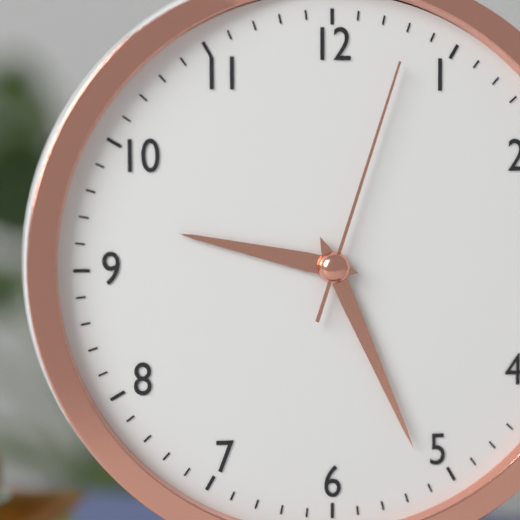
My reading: 9:26:03
